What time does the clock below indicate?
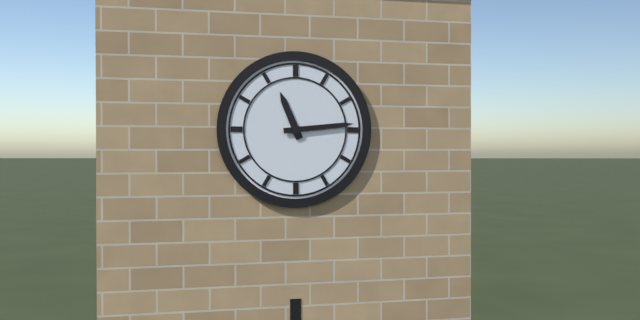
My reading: 11:14
